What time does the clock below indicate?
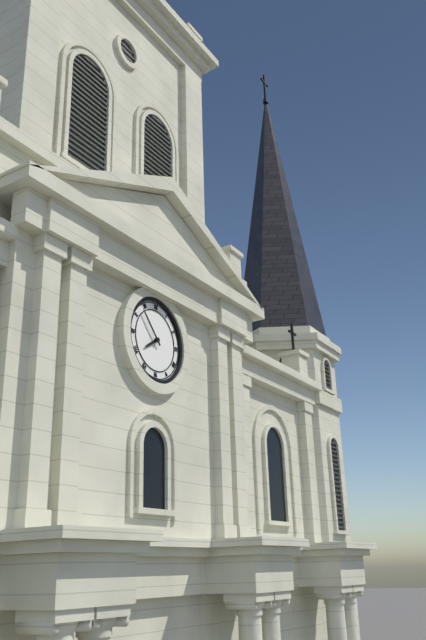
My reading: 7:53
